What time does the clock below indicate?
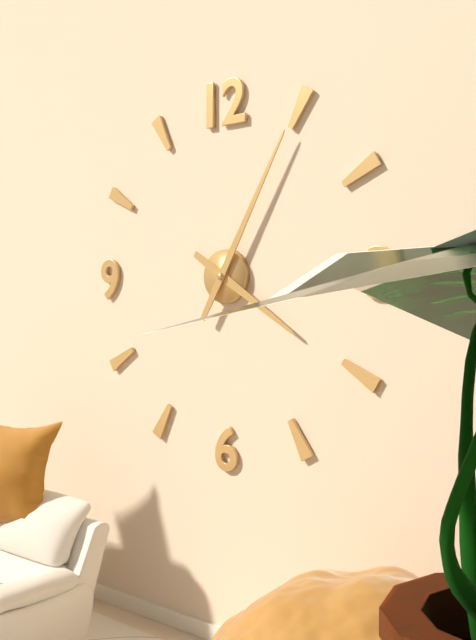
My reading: 4:05
